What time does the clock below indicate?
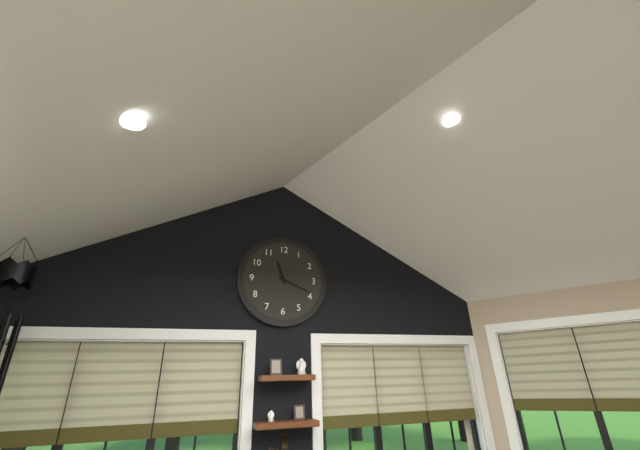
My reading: 11:19
